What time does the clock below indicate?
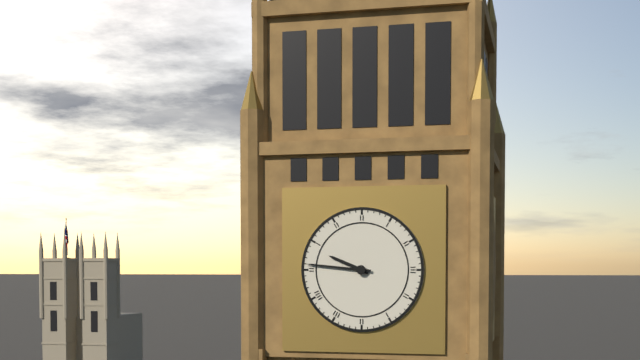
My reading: 9:46
